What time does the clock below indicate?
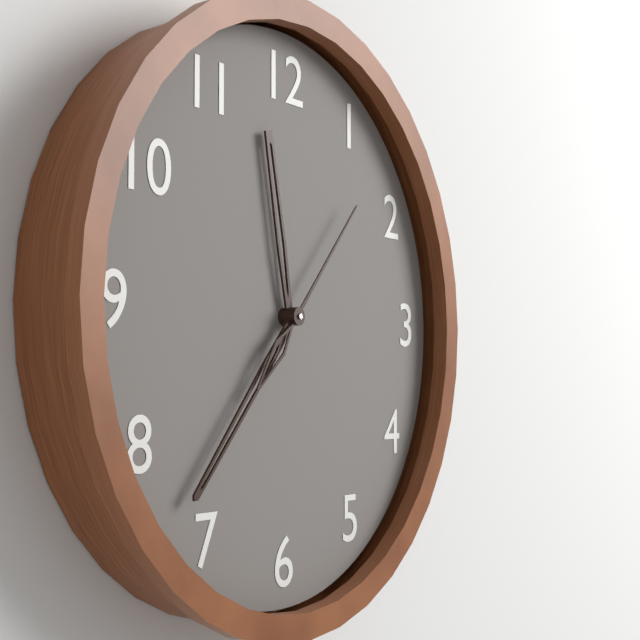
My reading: 11:37:07
